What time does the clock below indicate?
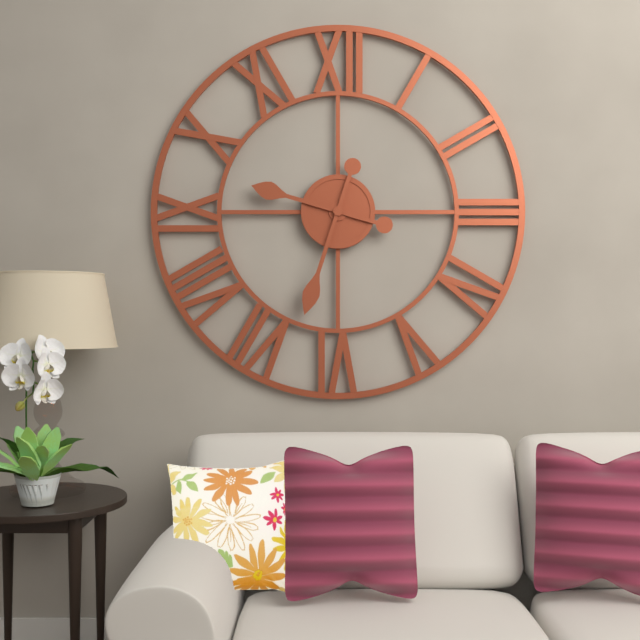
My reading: 9:33
